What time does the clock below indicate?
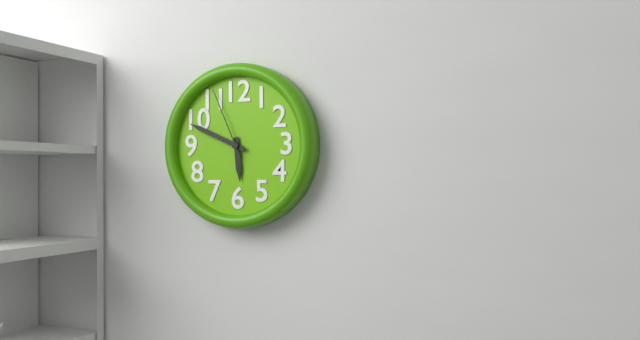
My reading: 5:49:56
